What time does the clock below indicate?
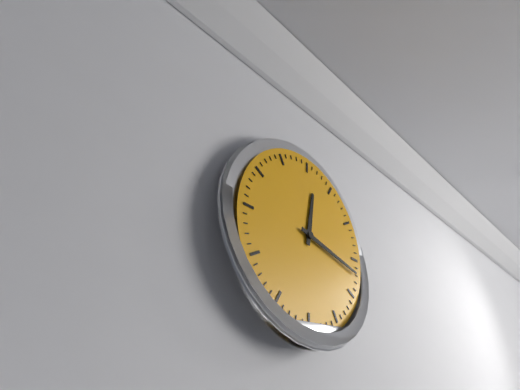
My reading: 12:17
